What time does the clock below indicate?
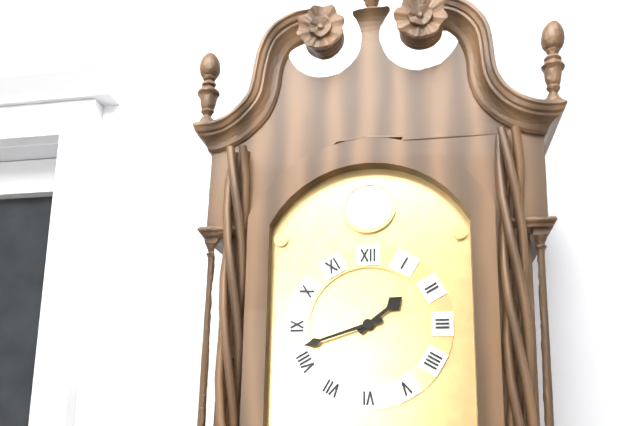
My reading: 1:42
